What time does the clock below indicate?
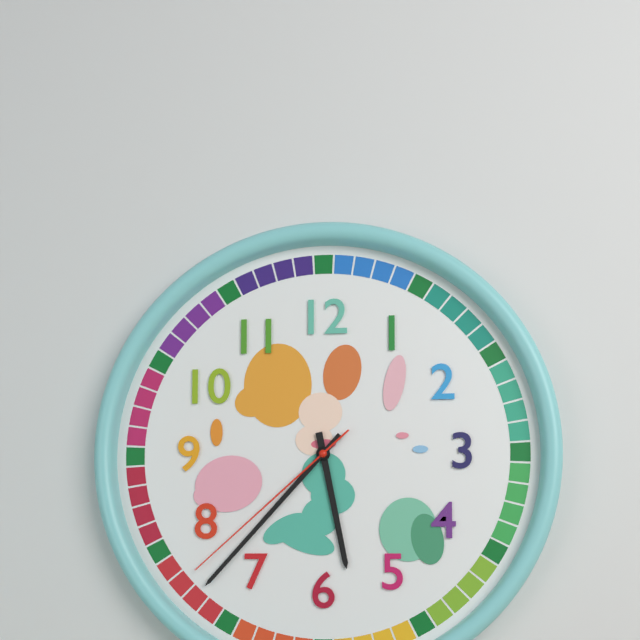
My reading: 5:37:38
